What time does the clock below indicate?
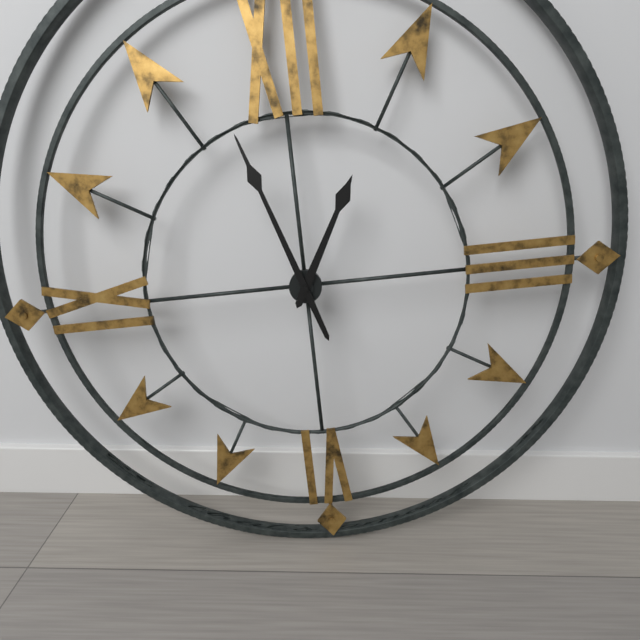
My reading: 12:57
